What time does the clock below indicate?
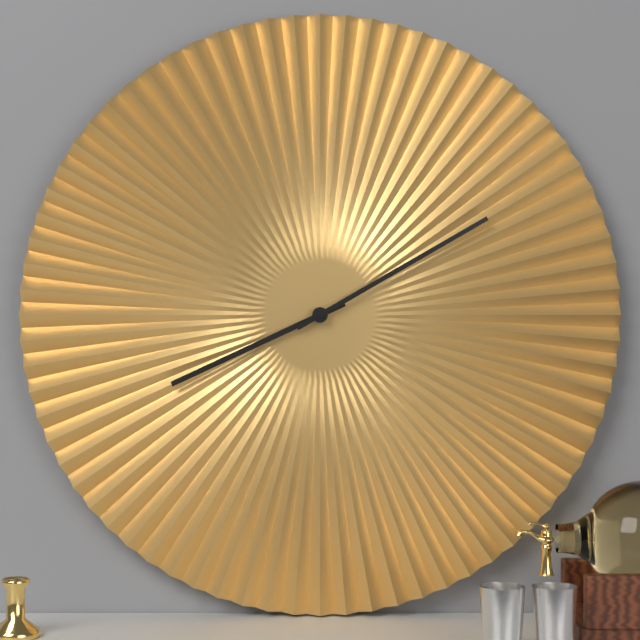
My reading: 8:10
